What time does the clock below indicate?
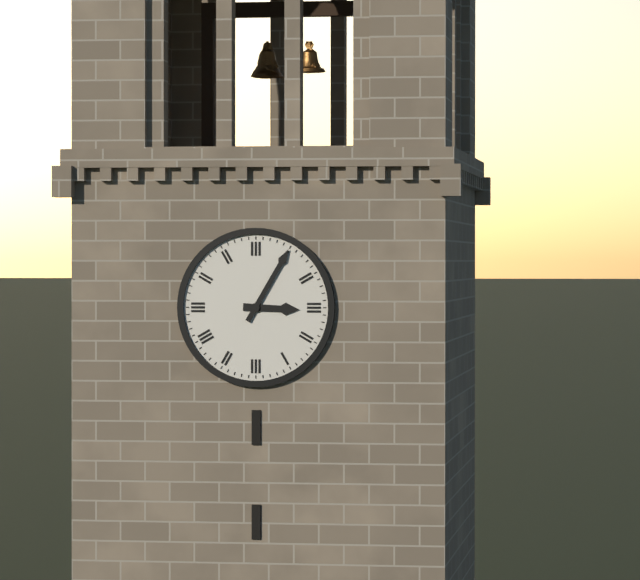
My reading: 3:05
